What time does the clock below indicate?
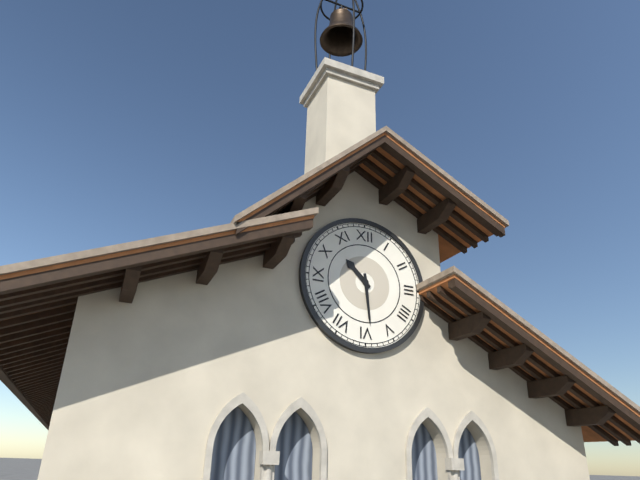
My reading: 10:29
